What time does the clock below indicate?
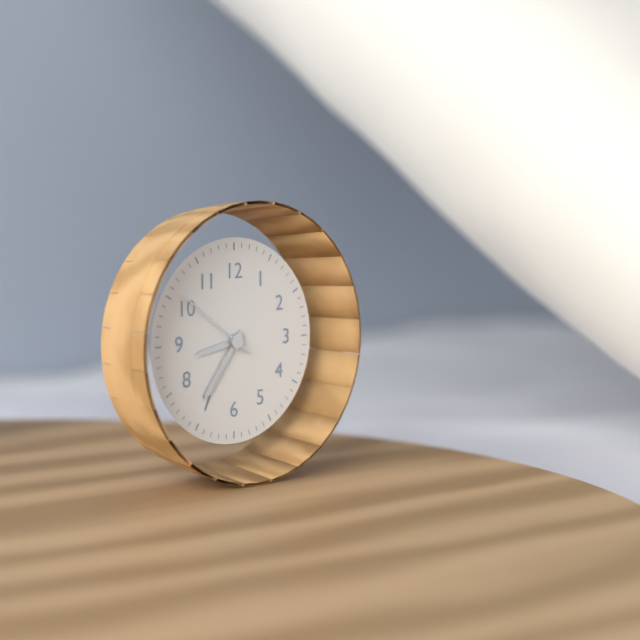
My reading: 8:36:51
